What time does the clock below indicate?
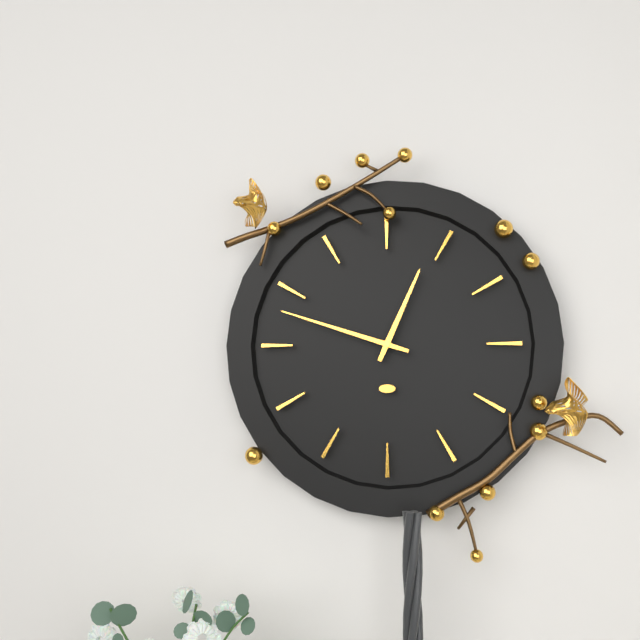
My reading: 12:48
